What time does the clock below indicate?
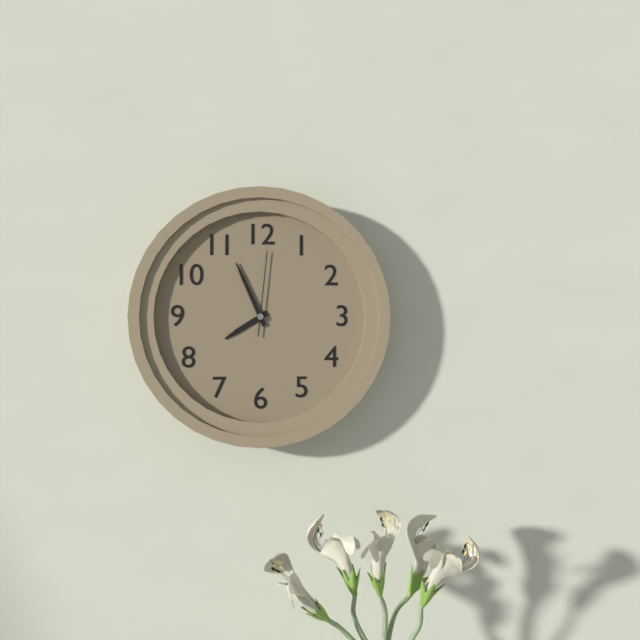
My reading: 7:56:01
